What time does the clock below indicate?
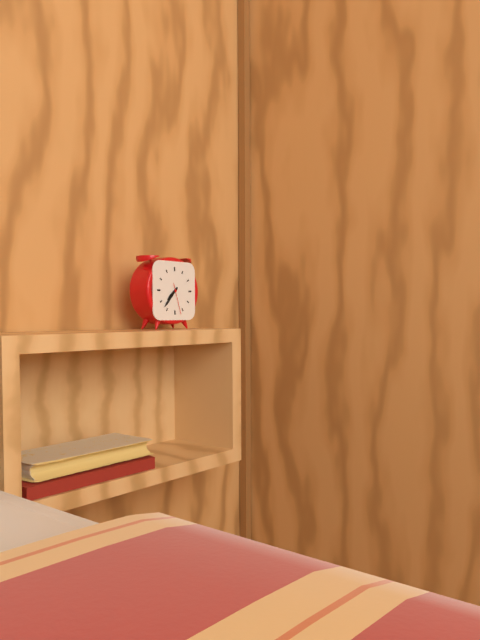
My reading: 7:37
